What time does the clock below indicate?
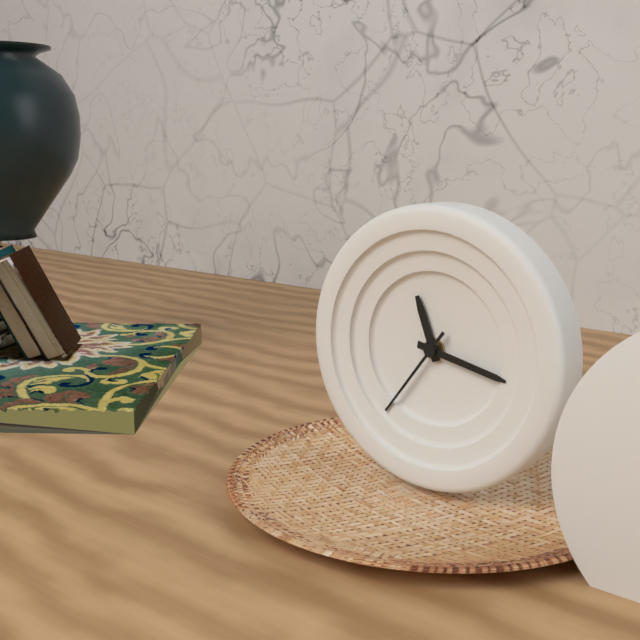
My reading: 11:17:36
